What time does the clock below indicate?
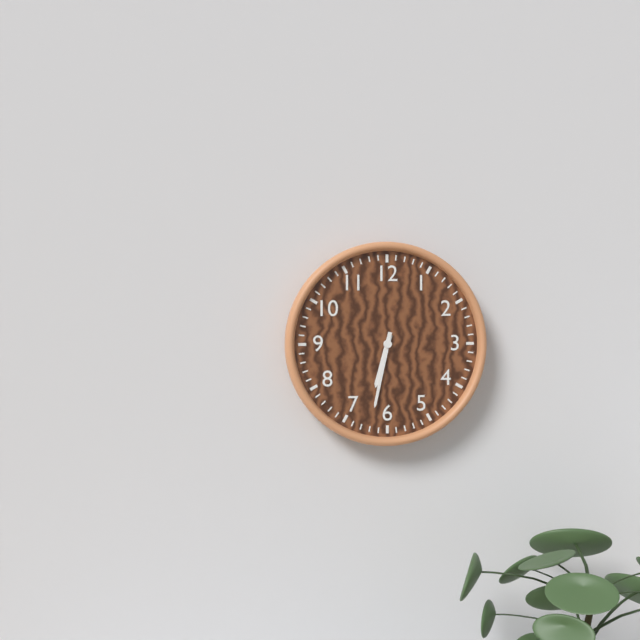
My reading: 6:32
